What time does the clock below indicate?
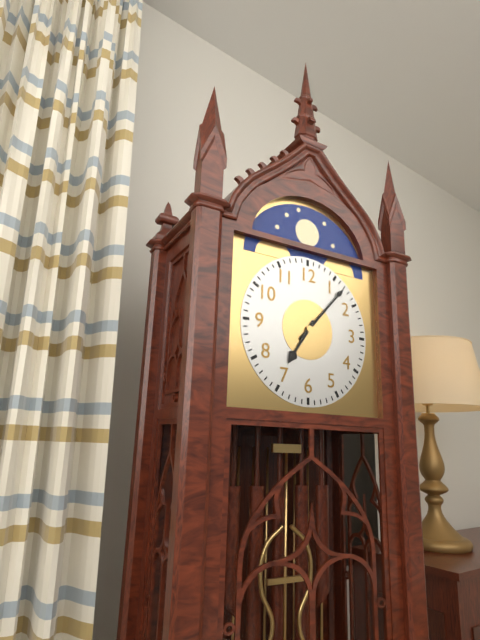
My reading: 7:07
